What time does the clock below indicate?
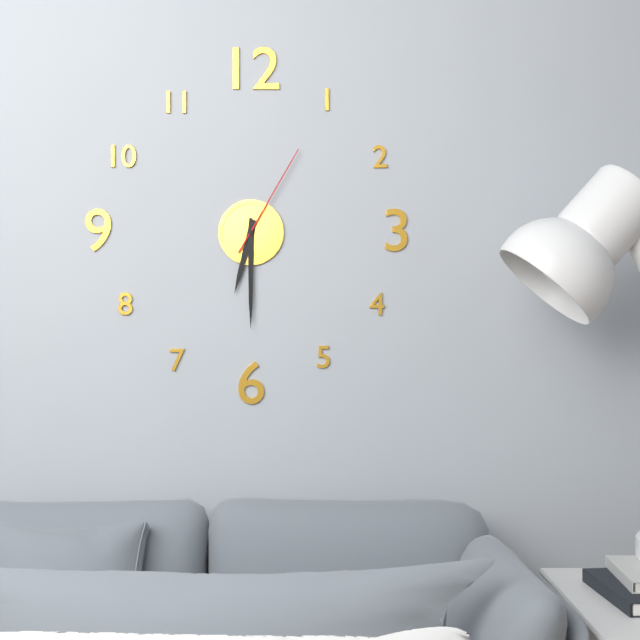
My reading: 6:30:05
